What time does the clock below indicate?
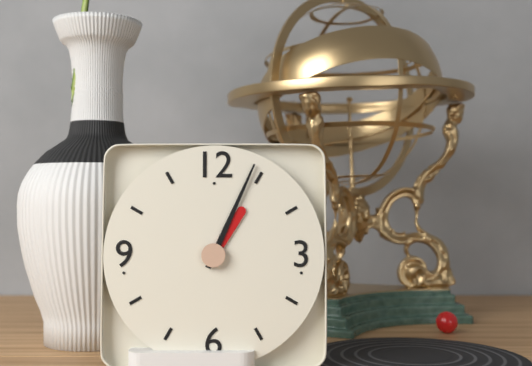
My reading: 1:04
